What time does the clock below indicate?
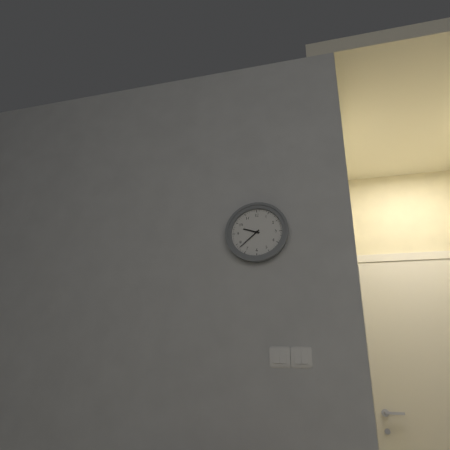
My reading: 9:38
